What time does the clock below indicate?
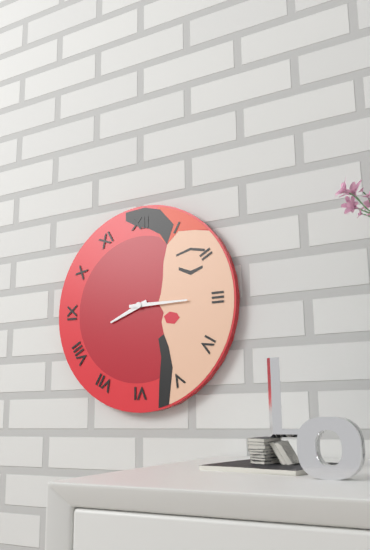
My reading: 8:15
